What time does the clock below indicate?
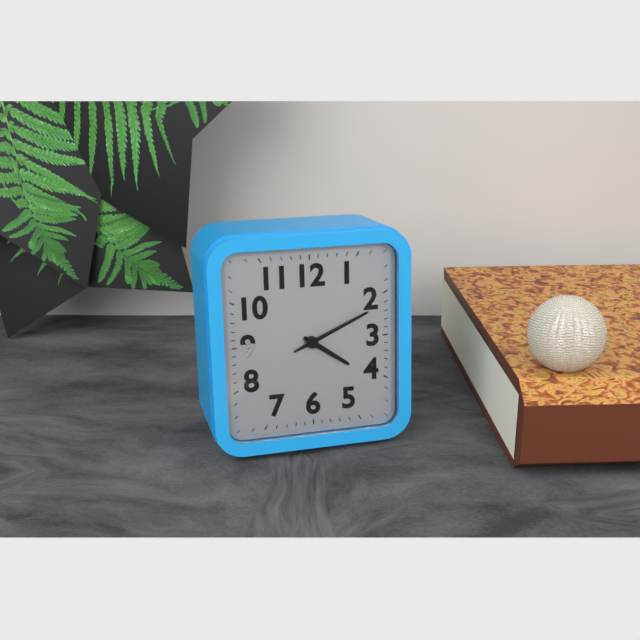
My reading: 4:11
